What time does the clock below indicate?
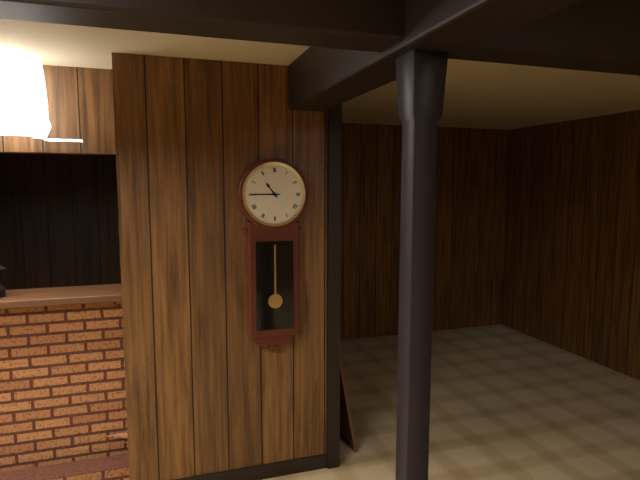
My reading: 10:45
